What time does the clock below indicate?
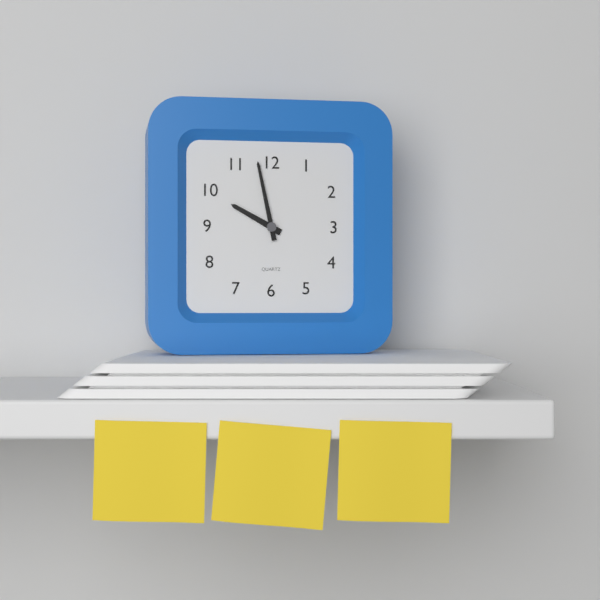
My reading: 9:58
